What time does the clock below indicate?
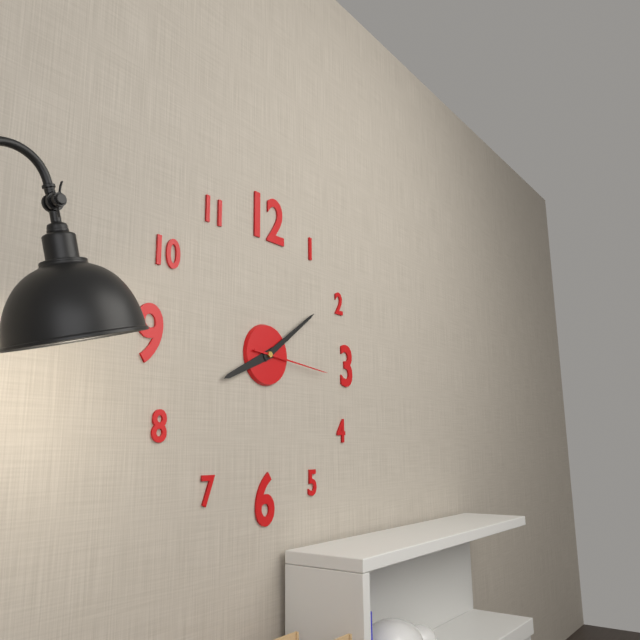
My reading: 8:09:16
